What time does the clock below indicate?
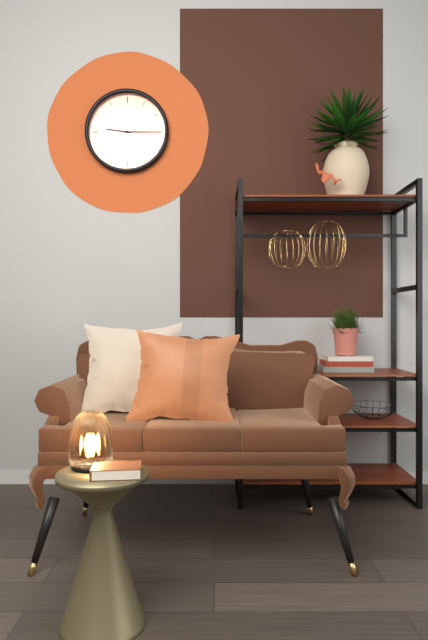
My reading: 9:15
